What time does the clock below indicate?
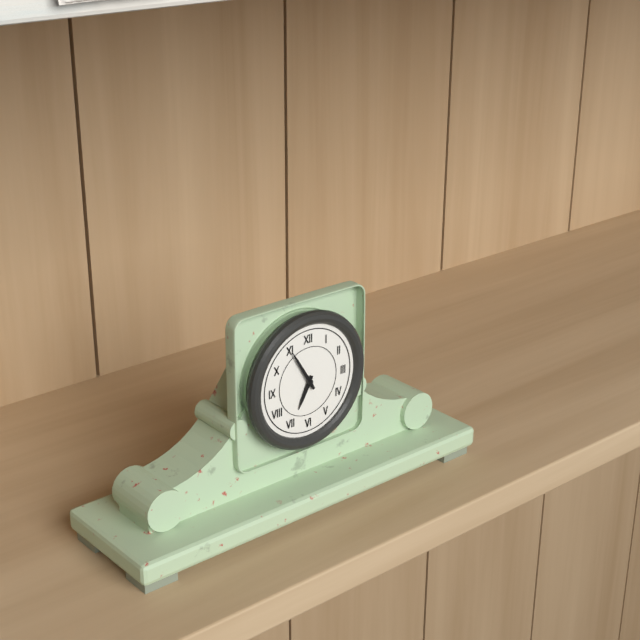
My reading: 6:55
